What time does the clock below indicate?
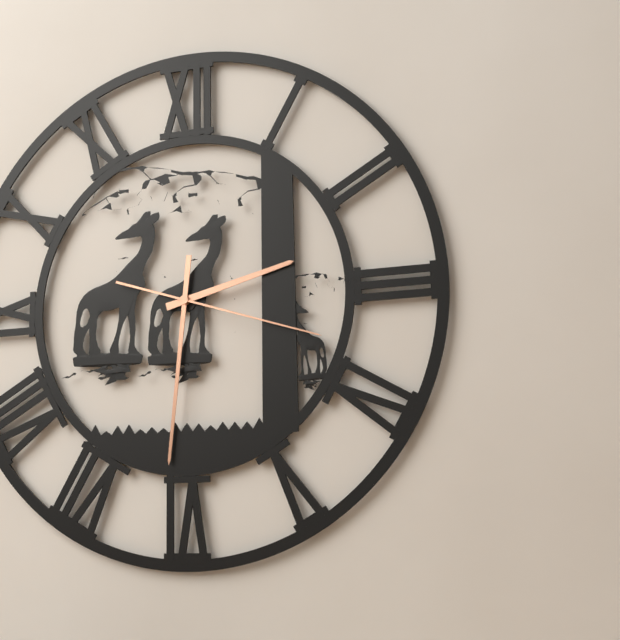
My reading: 2:31:18
